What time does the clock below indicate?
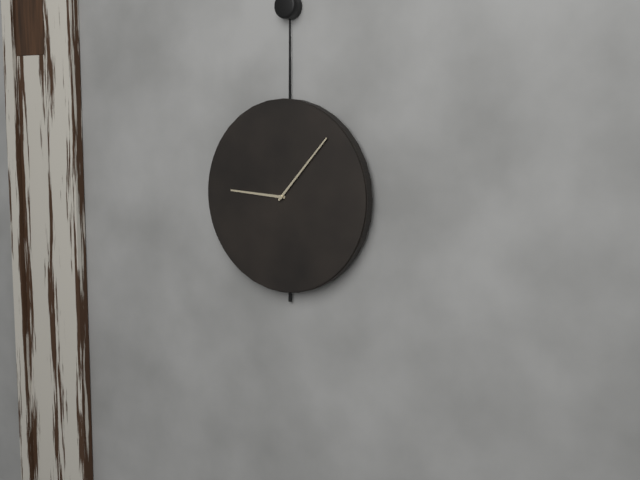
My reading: 9:07
